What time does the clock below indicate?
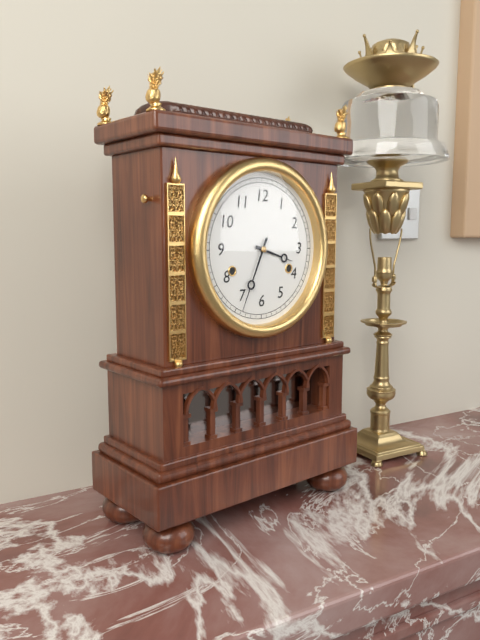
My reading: 3:34
